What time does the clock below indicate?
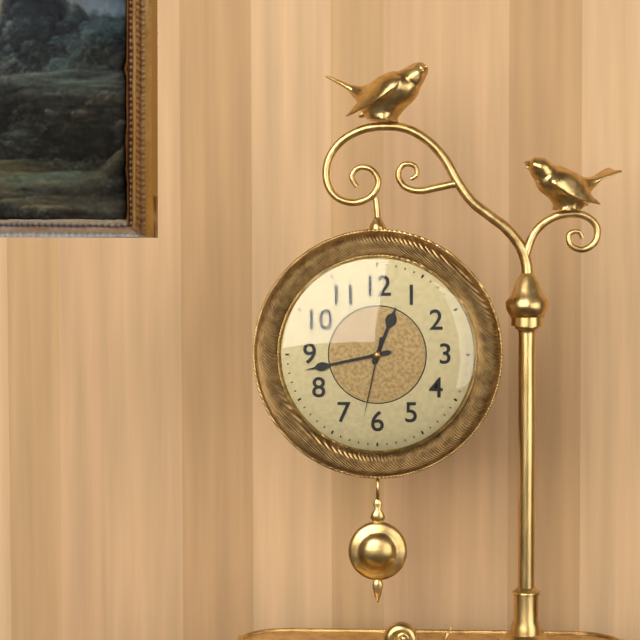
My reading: 12:43:32
